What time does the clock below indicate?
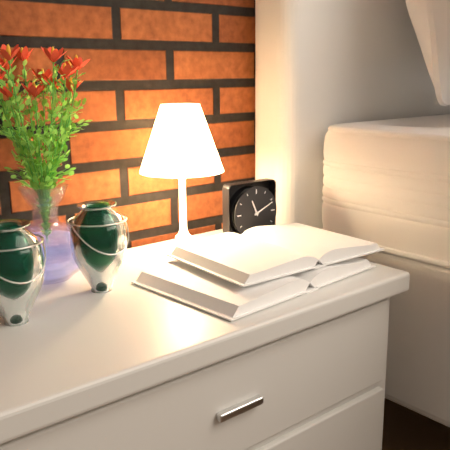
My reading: 11:11
